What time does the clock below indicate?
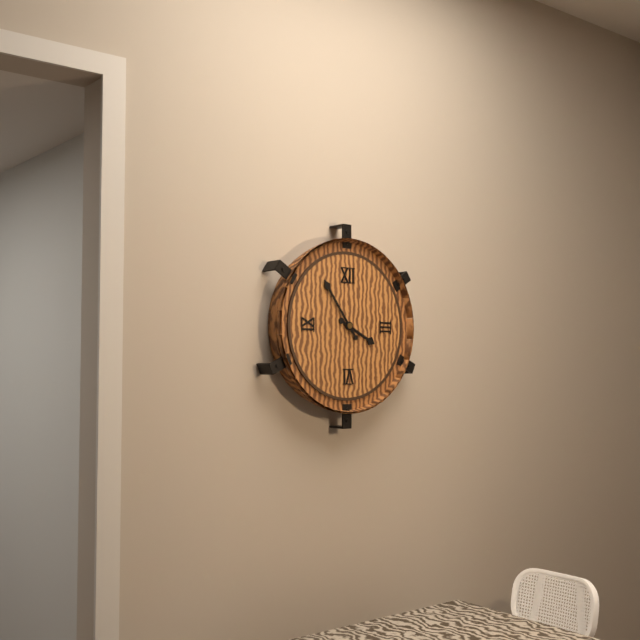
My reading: 3:54
